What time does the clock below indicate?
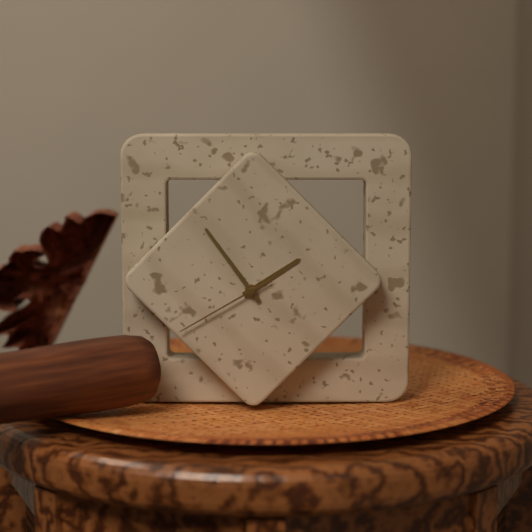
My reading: 1:54:40
